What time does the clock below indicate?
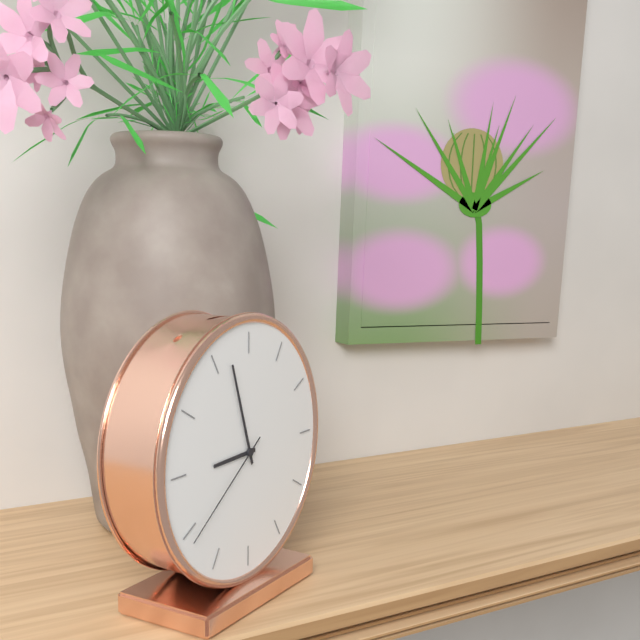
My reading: 8:57:39
